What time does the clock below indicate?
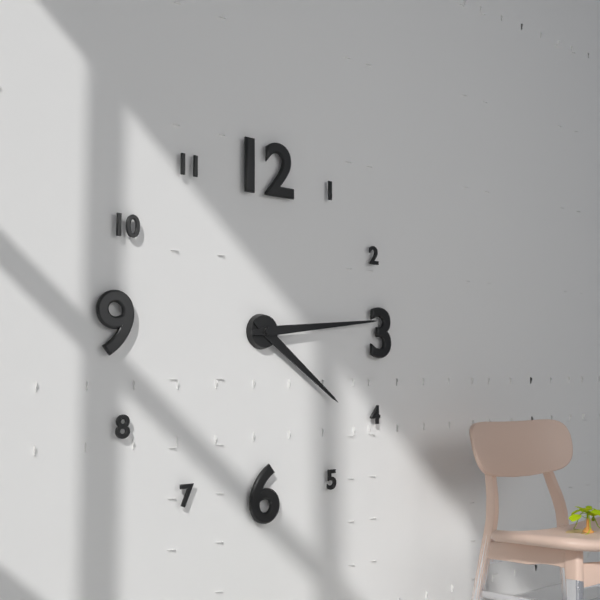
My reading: 4:14
